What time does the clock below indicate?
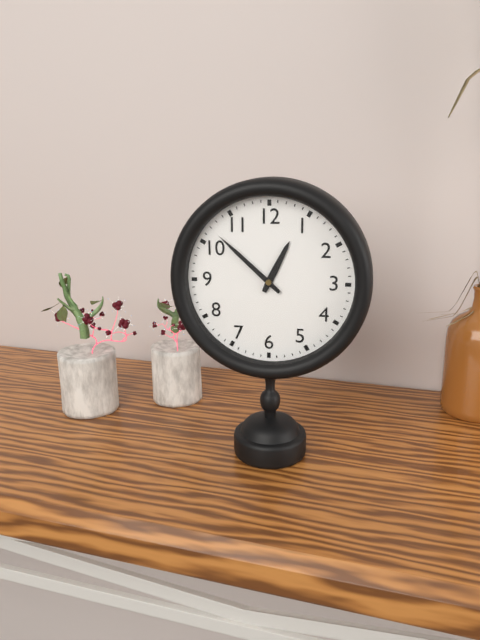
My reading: 12:52
